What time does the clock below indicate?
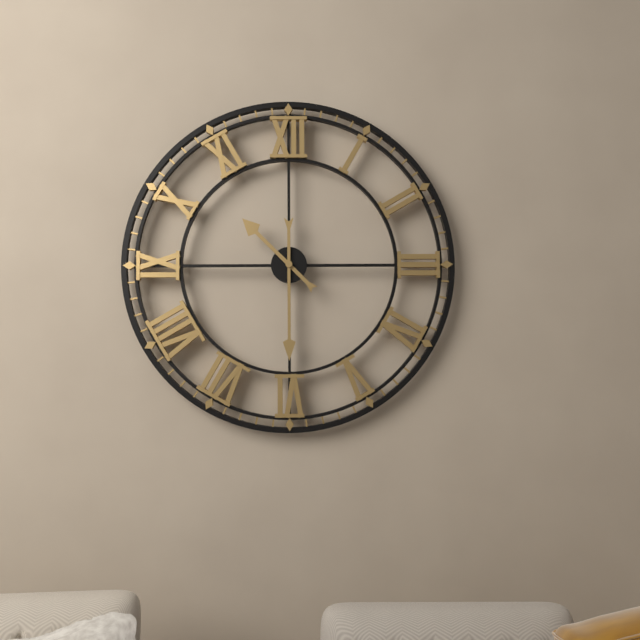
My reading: 10:30
